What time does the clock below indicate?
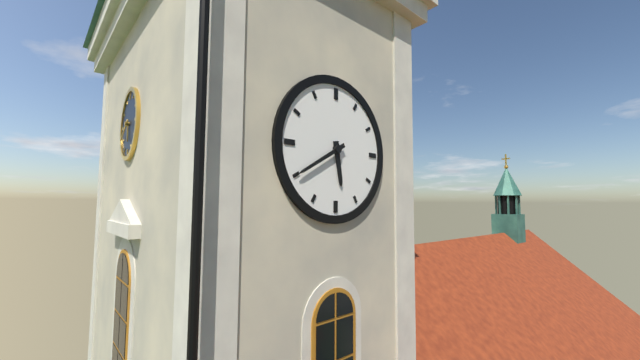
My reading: 5:40
